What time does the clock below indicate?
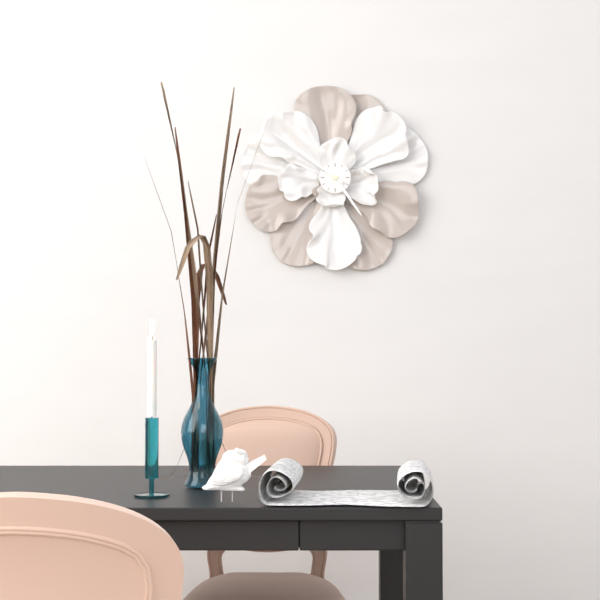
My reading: 4:51
